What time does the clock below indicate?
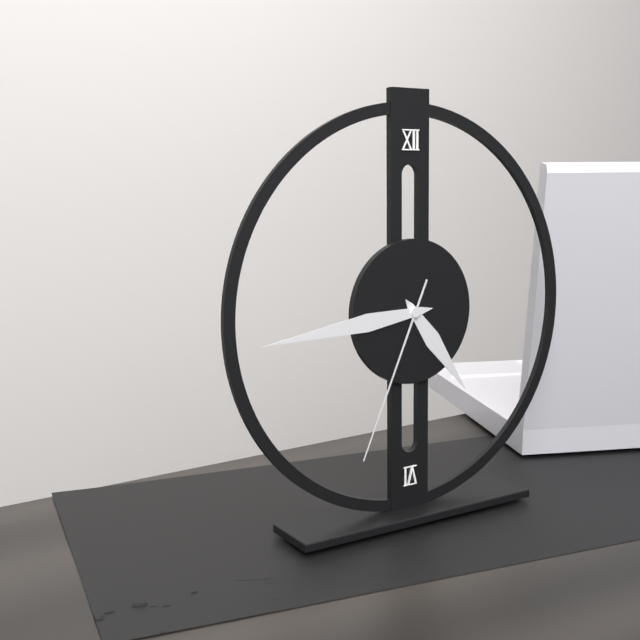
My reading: 4:44:34
